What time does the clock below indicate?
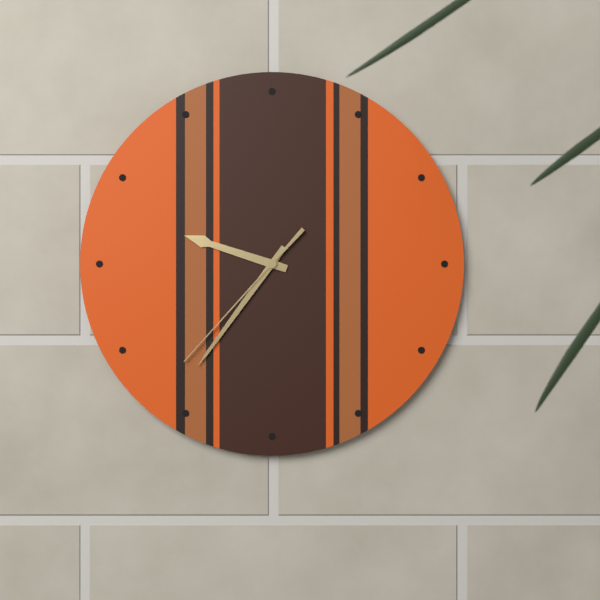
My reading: 9:36:37
